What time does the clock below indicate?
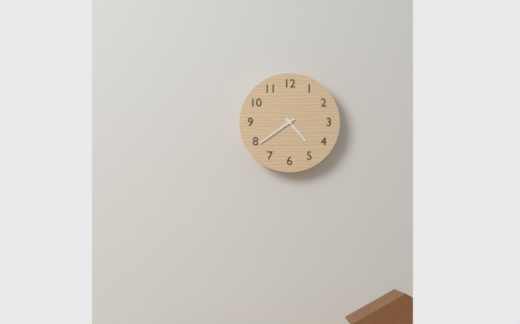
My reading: 4:39
